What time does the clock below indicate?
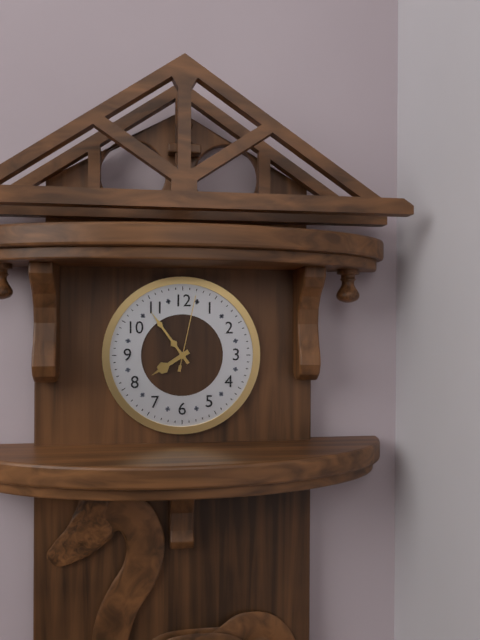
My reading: 7:54:02
